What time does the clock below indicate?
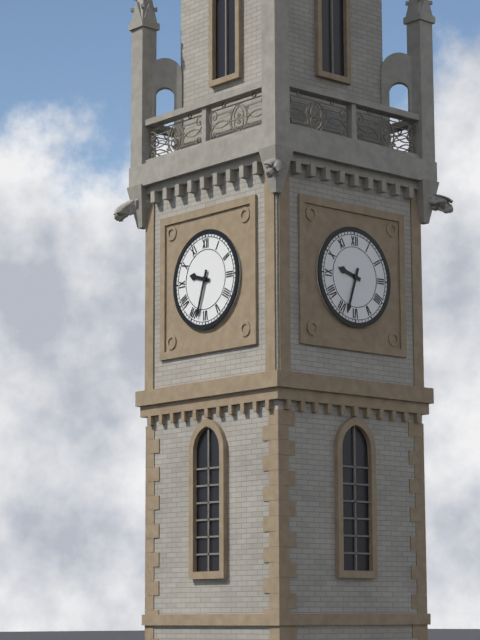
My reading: 9:33
